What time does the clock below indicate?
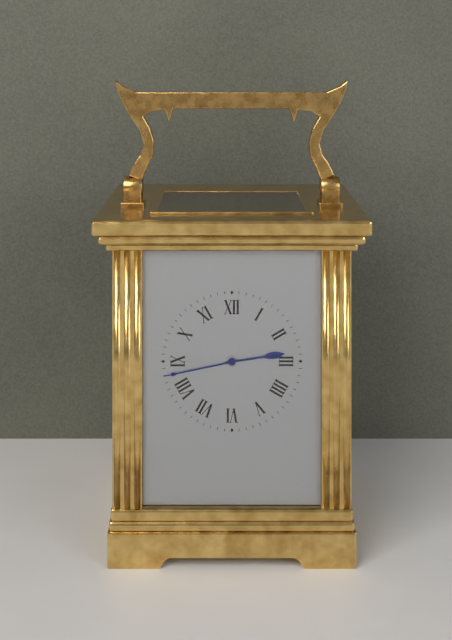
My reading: 2:43
